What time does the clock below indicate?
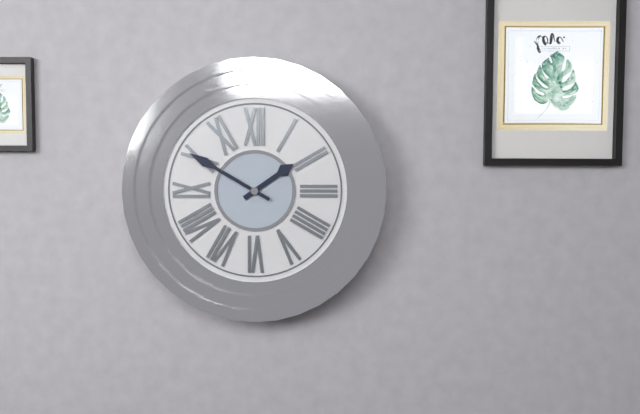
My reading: 1:50
